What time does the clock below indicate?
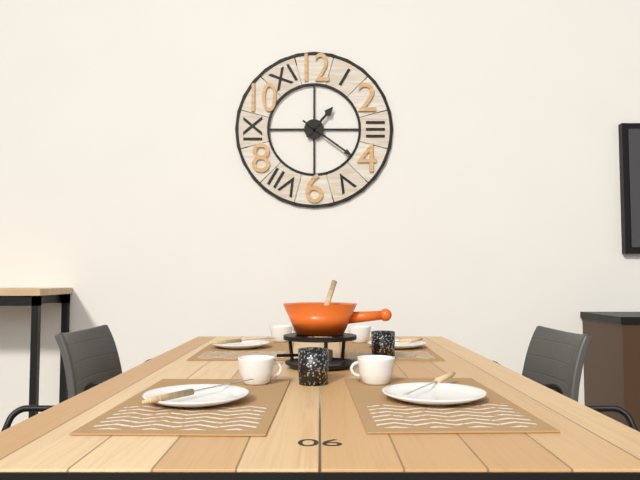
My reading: 1:21
